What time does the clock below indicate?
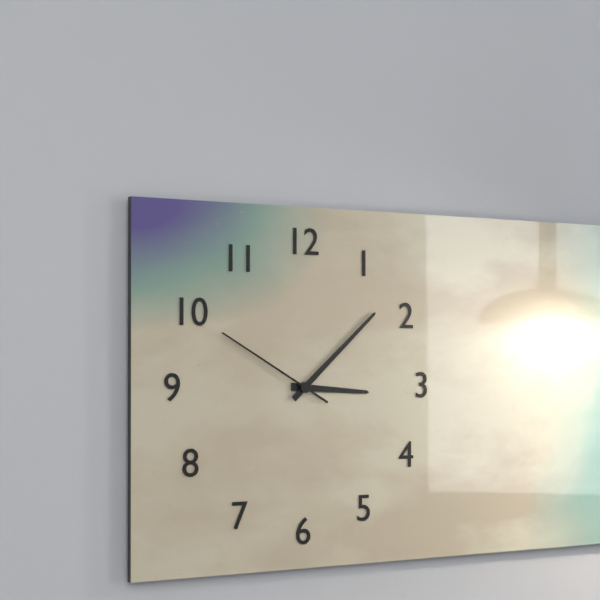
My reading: 3:08:50
